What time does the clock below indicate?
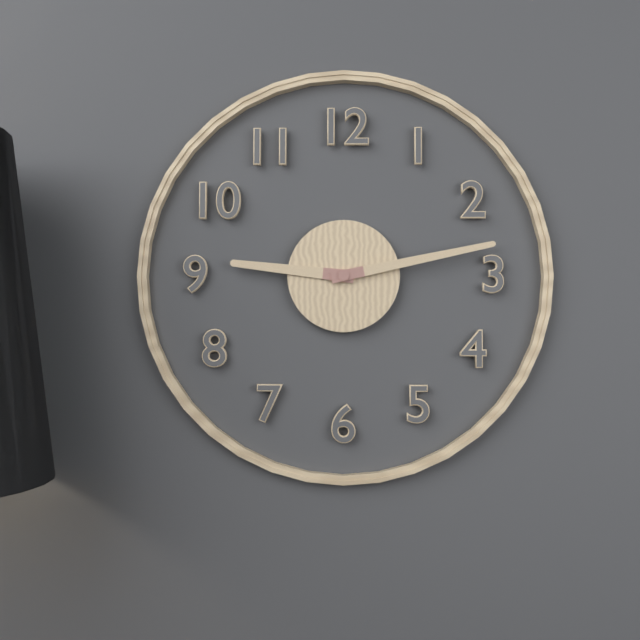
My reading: 9:13
